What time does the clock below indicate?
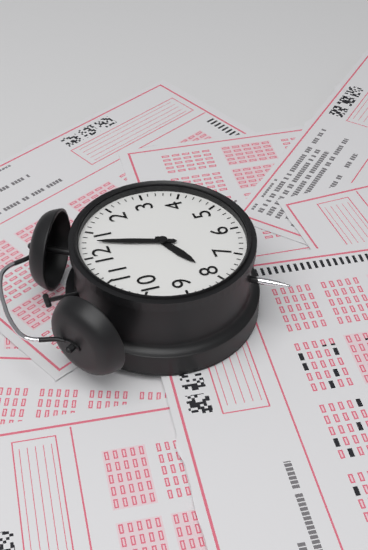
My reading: 8:03
